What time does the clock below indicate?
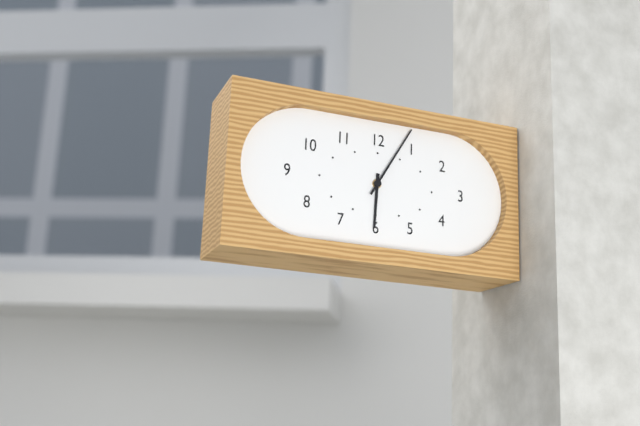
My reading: 6:05
